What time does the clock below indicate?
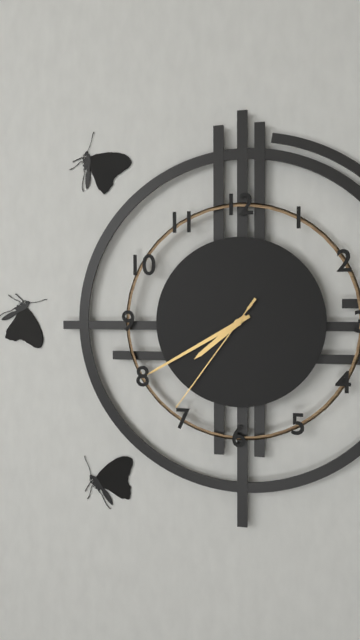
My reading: 7:40:36
